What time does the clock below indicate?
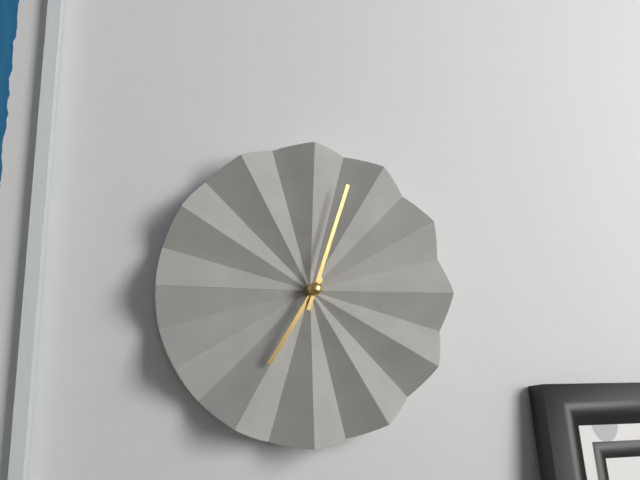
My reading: 7:03
